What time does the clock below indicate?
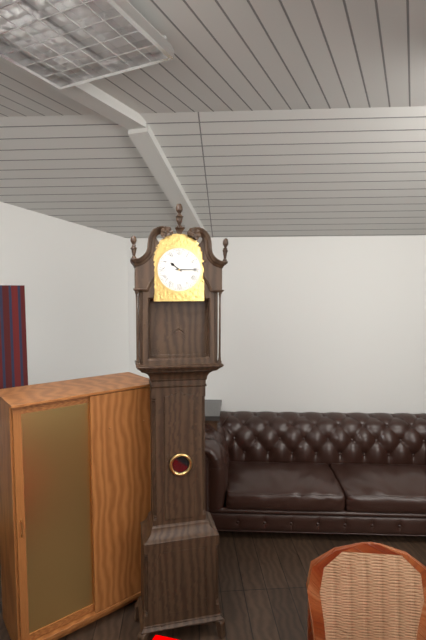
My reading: 10:15
